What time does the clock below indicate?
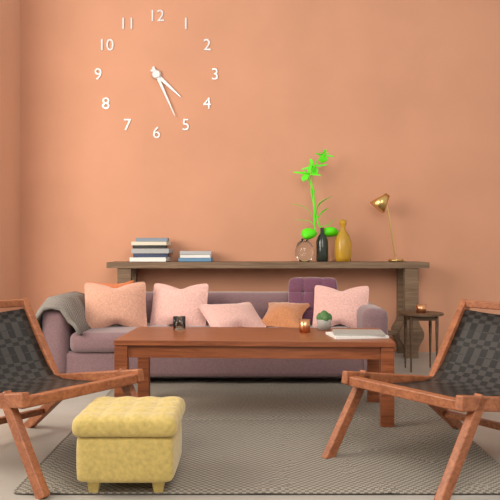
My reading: 4:26
